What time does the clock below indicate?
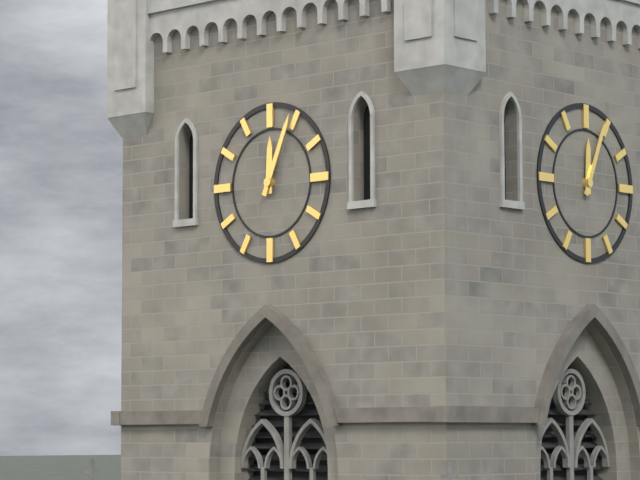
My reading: 12:04
